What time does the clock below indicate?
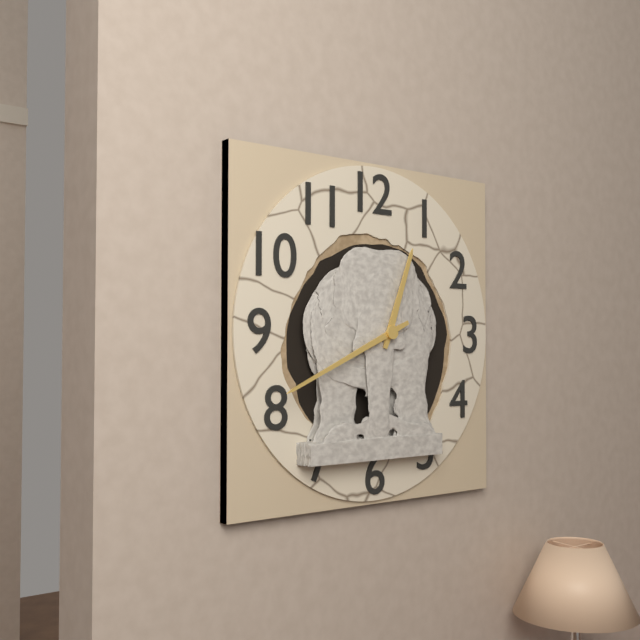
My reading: 12:41
